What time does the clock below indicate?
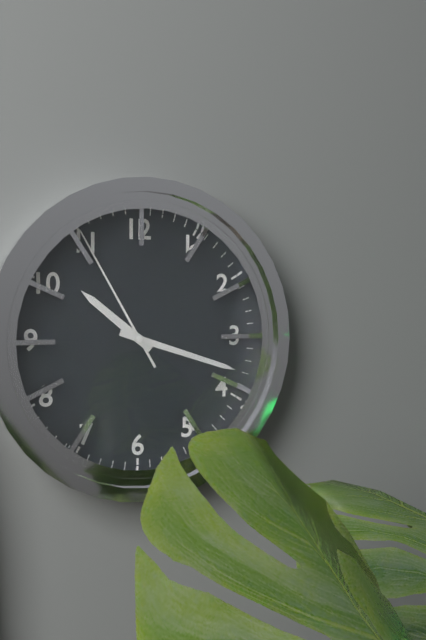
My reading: 10:18:55
